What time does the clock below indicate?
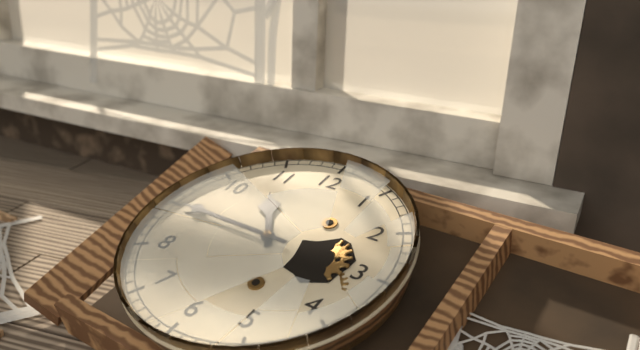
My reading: 10:45
